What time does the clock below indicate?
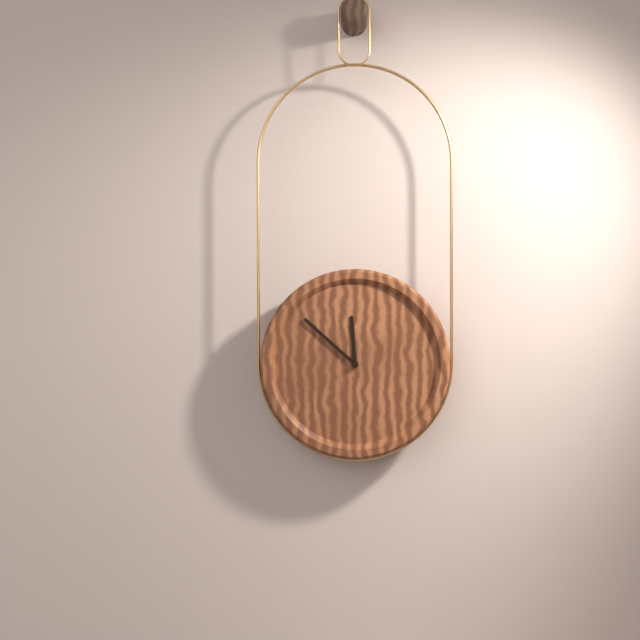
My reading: 11:52
